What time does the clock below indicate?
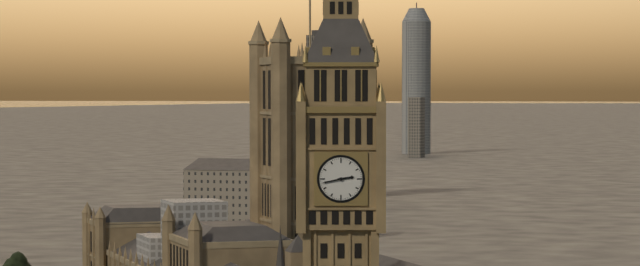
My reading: 2:43
